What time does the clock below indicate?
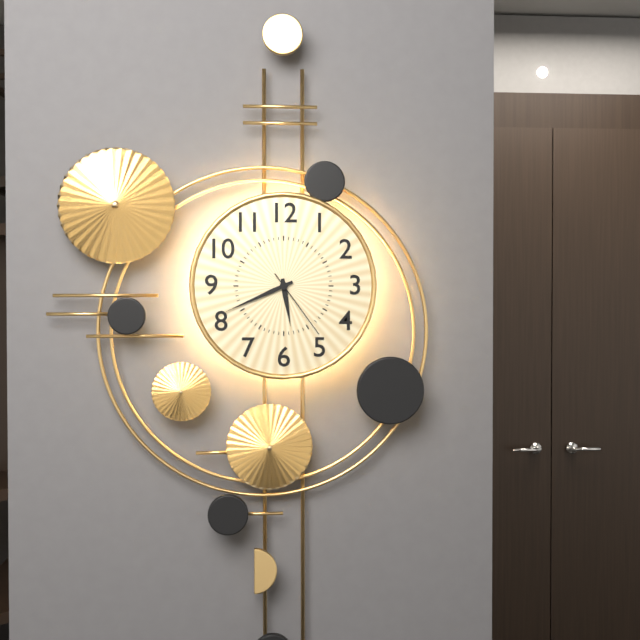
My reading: 5:41:24
